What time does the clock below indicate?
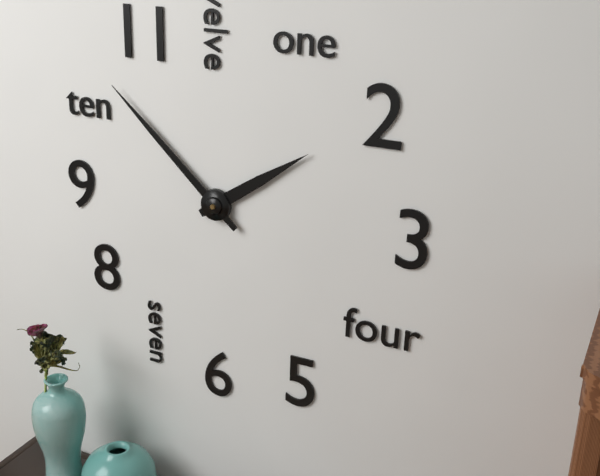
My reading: 1:52
